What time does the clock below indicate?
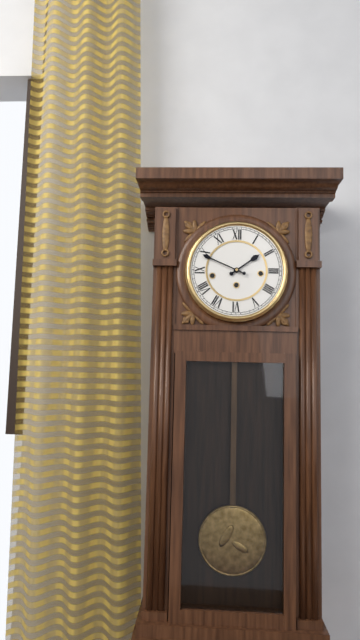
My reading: 1:49
